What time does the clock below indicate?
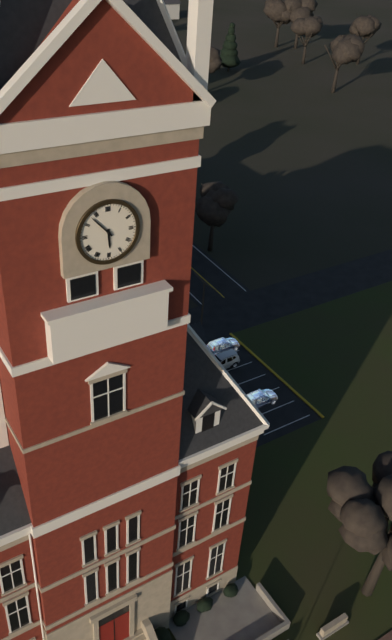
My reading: 5:53
